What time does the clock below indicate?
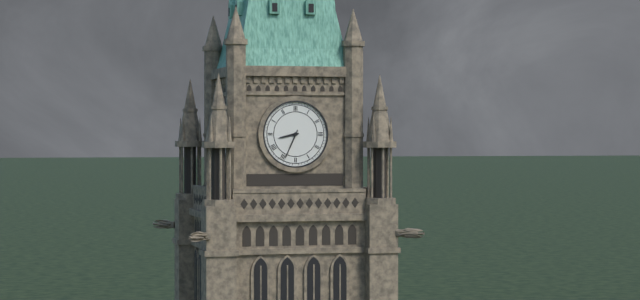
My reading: 8:34
